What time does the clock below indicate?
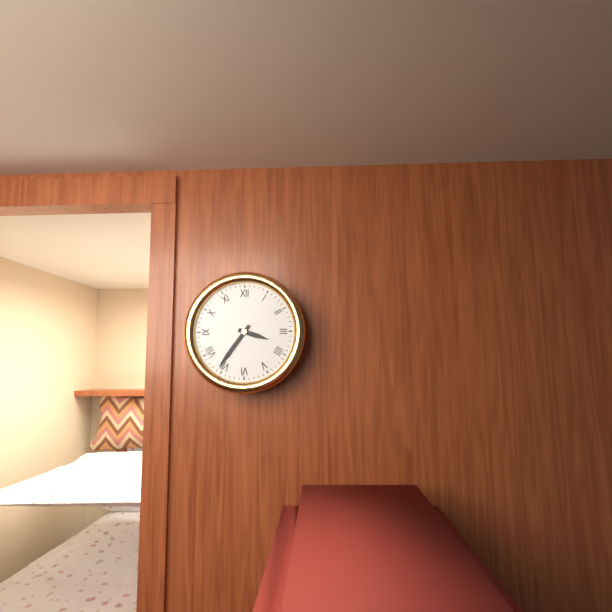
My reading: 3:36
